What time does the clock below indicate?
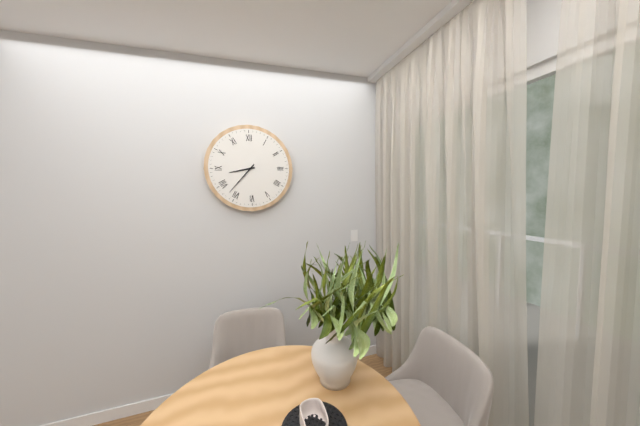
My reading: 8:37
